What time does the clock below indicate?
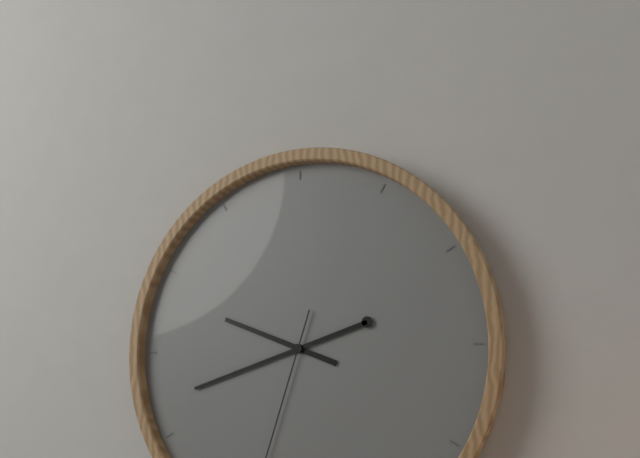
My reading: 9:42
